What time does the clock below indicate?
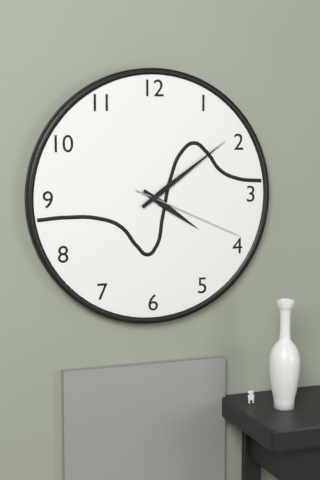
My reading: 4:09:19
